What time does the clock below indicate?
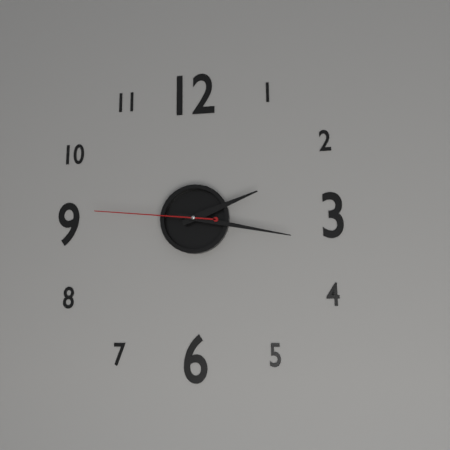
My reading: 2:17:46
